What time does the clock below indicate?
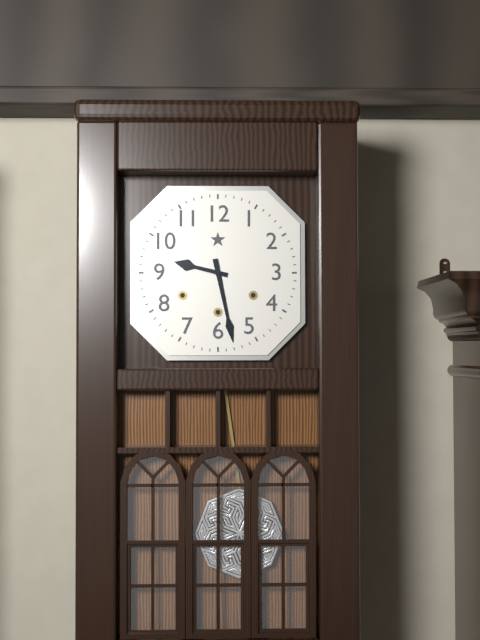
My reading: 9:28
